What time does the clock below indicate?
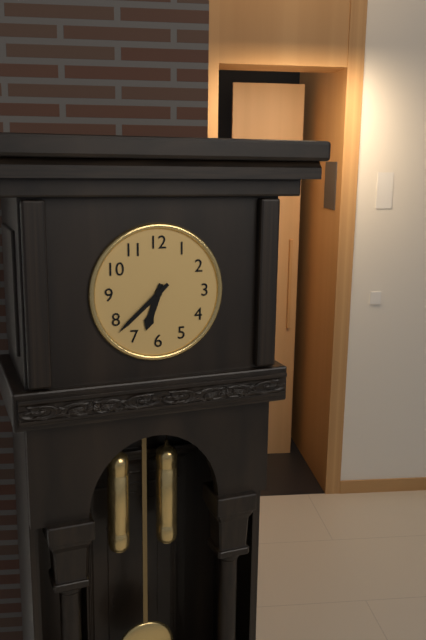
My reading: 6:38
